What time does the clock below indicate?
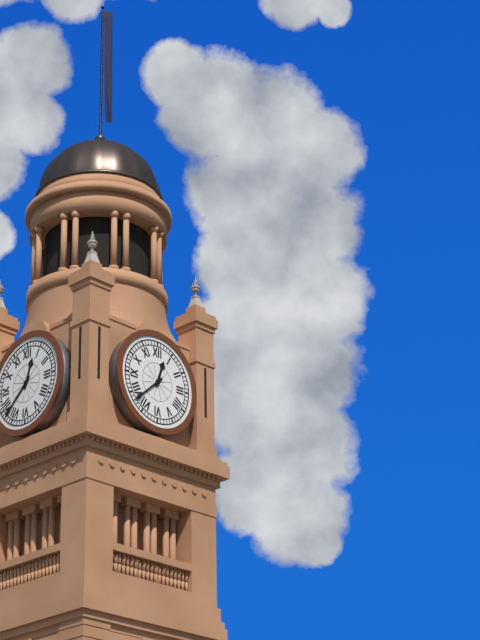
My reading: 12:38
